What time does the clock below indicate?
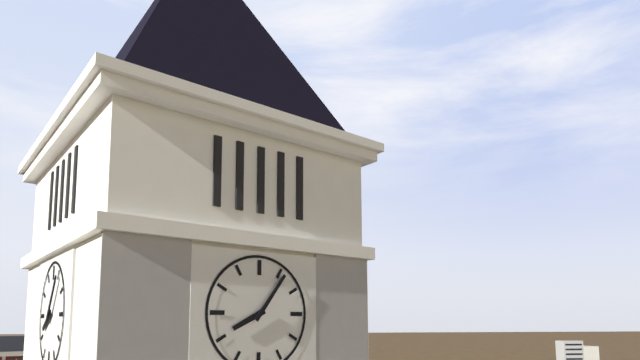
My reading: 8:06
